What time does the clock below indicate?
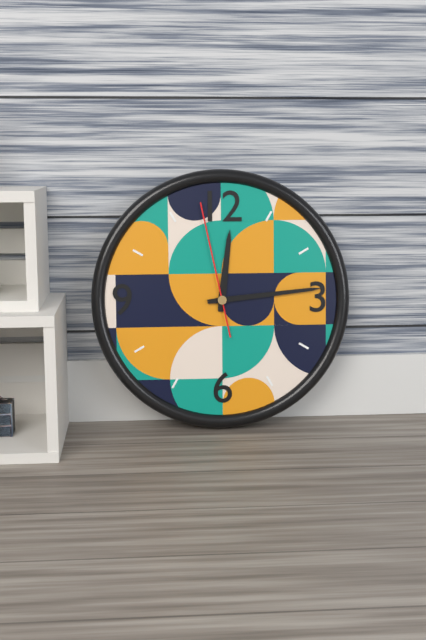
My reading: 12:14:58
